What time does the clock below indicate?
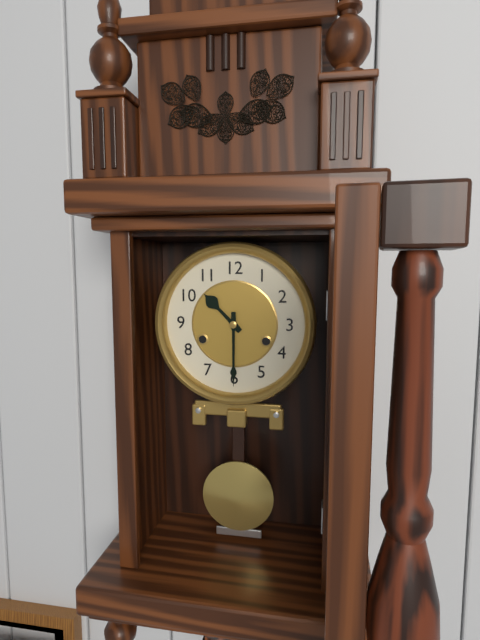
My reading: 10:30
